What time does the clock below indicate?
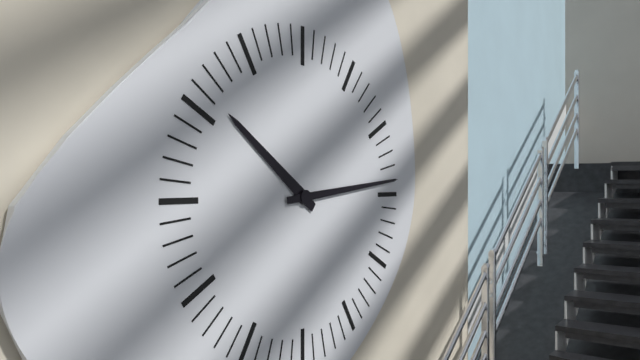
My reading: 10:14
